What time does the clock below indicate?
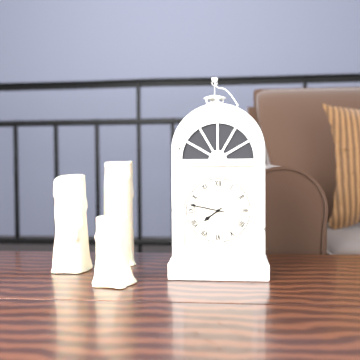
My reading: 7:47
